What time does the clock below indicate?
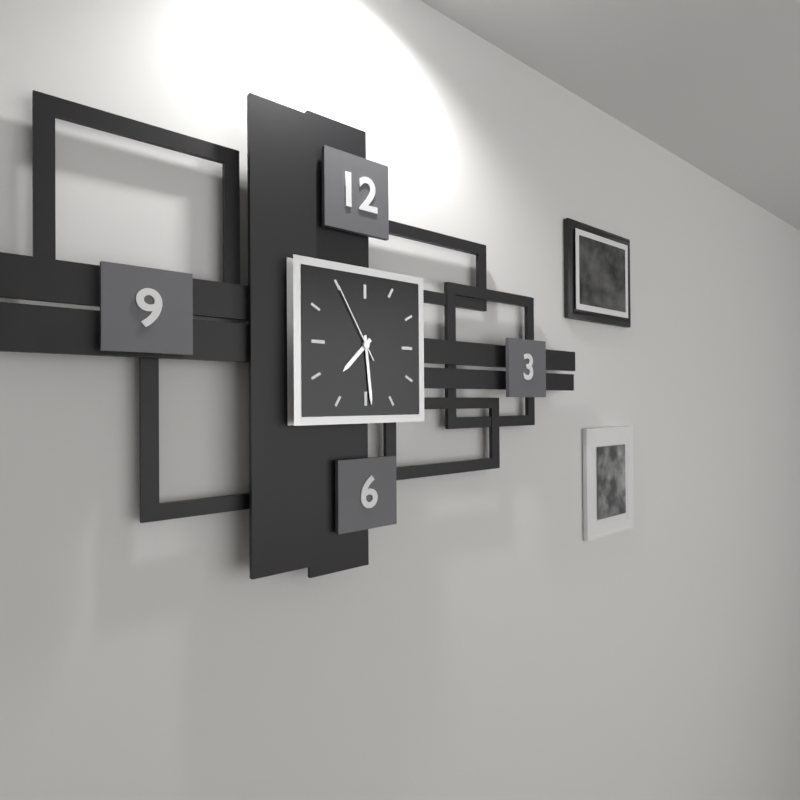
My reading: 7:29:55
